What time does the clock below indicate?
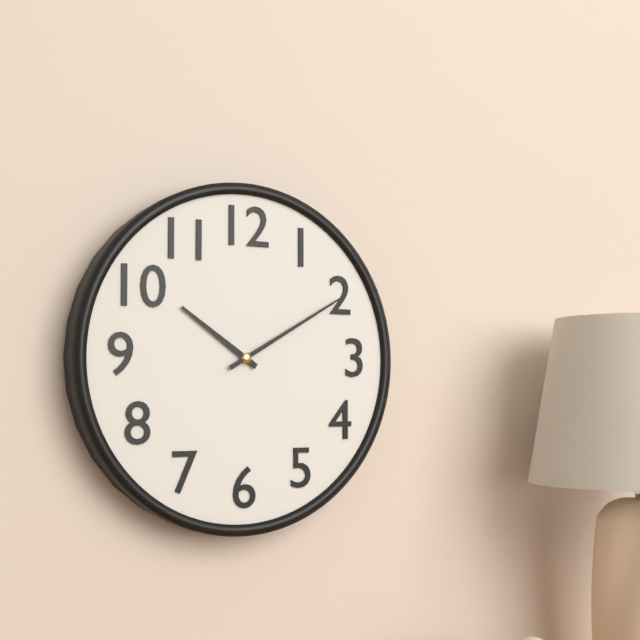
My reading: 10:10
